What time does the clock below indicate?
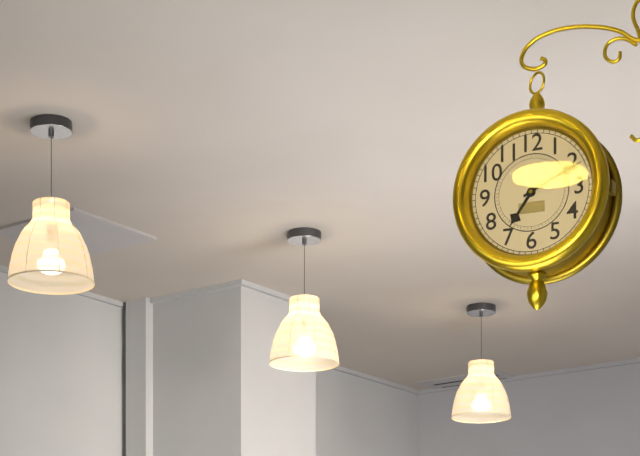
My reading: 7:11
